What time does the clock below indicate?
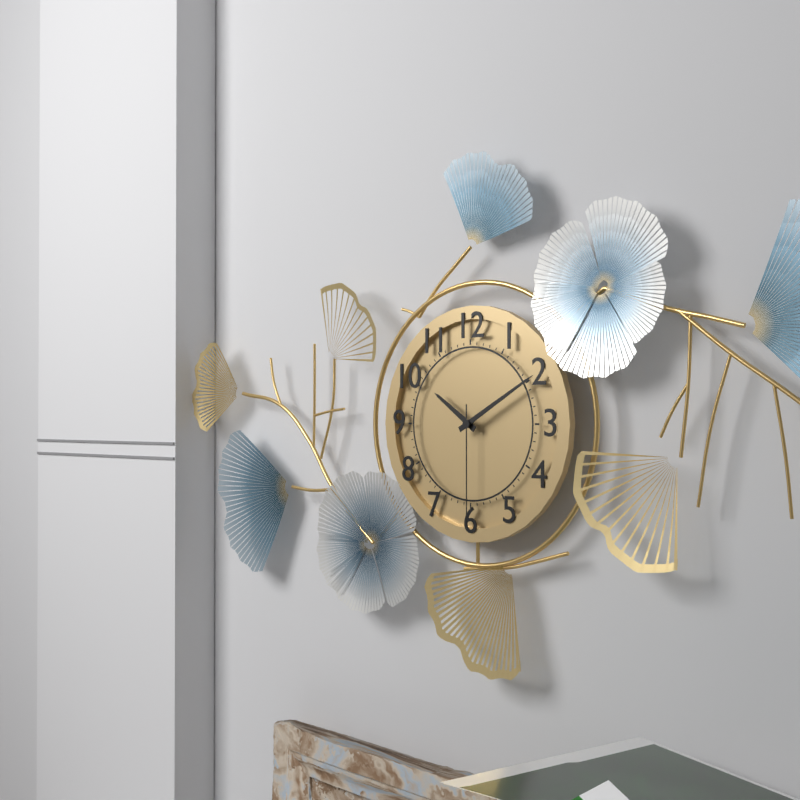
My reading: 10:10:30
